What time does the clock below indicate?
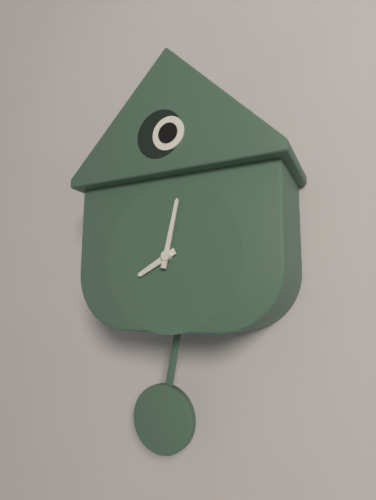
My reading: 8:02
